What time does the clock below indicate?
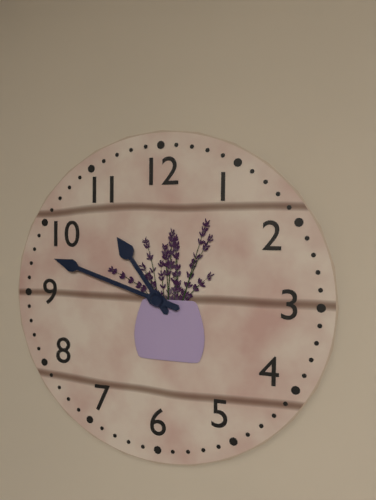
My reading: 10:48
